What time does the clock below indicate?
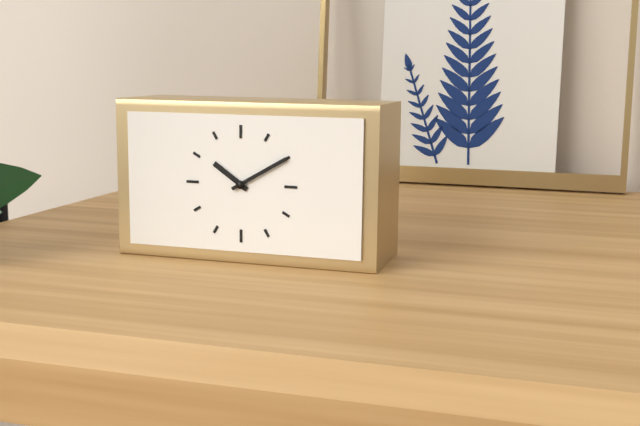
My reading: 10:10
